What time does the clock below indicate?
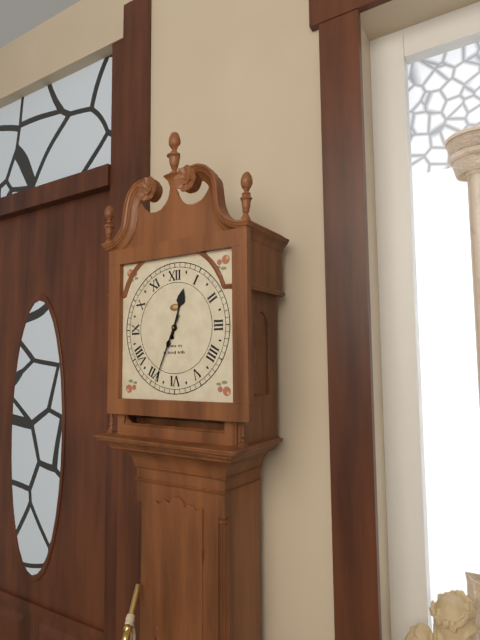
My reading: 12:34
